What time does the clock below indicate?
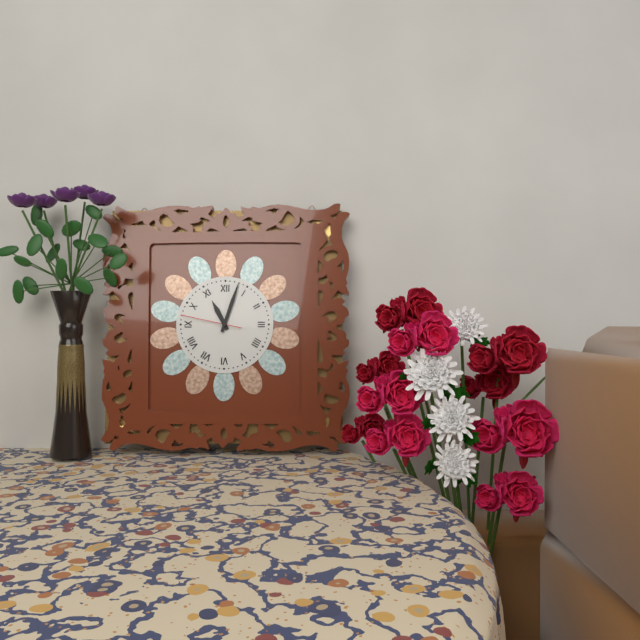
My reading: 11:03:47
